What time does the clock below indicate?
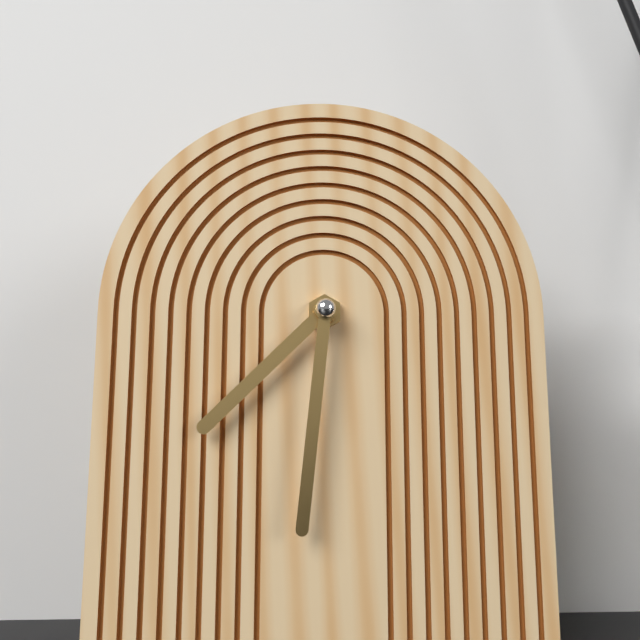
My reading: 7:31
